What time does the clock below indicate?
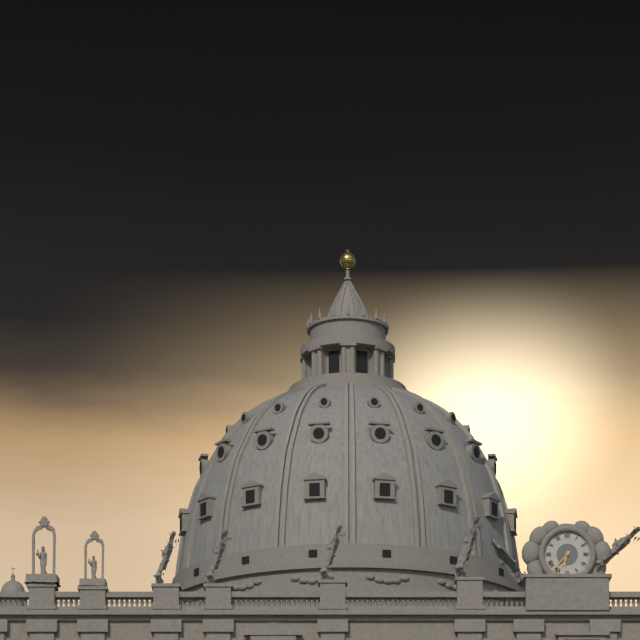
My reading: 6:37
